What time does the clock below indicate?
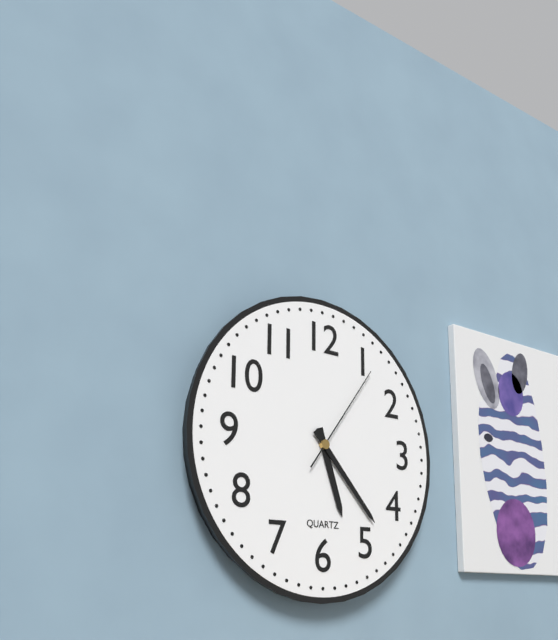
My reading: 5:23:06
